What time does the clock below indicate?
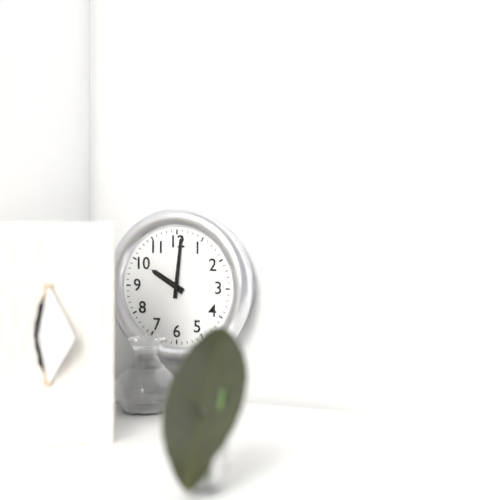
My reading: 10:01
